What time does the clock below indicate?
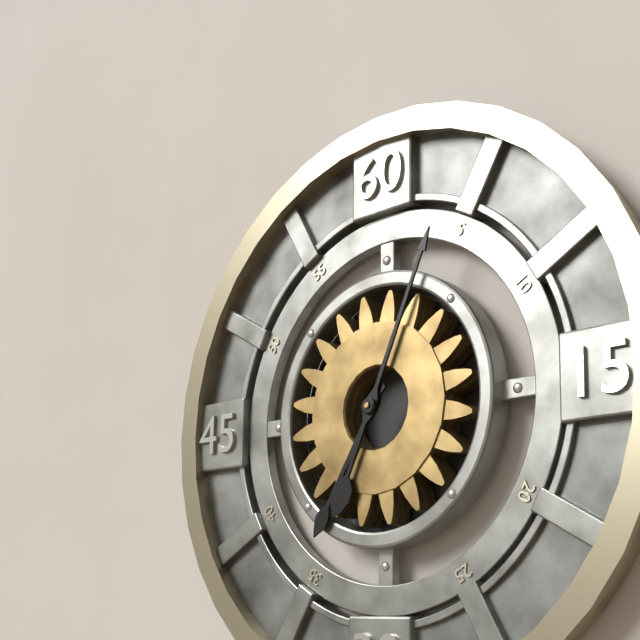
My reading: 7:04
